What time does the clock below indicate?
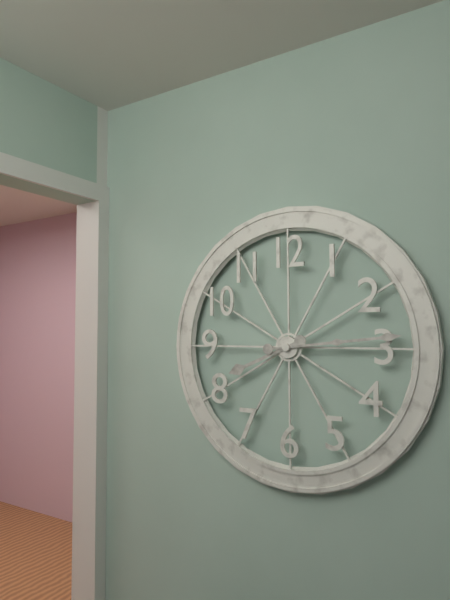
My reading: 8:14
